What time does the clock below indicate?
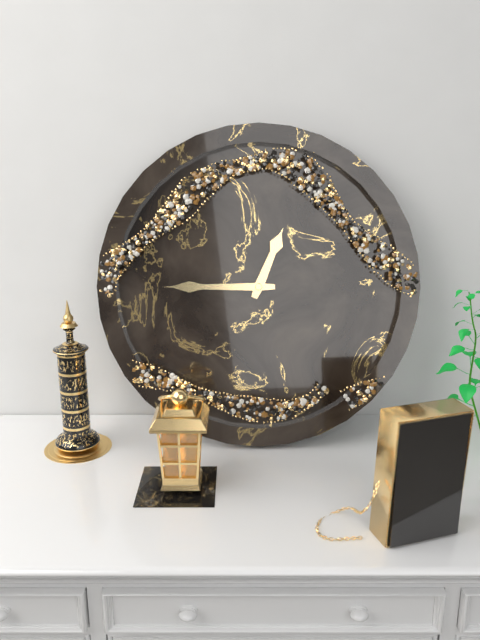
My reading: 12:45
